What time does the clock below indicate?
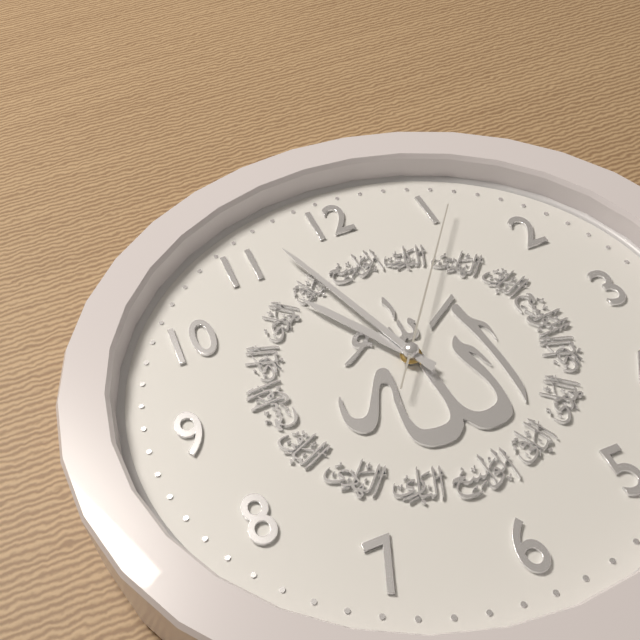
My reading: 10:57:06
